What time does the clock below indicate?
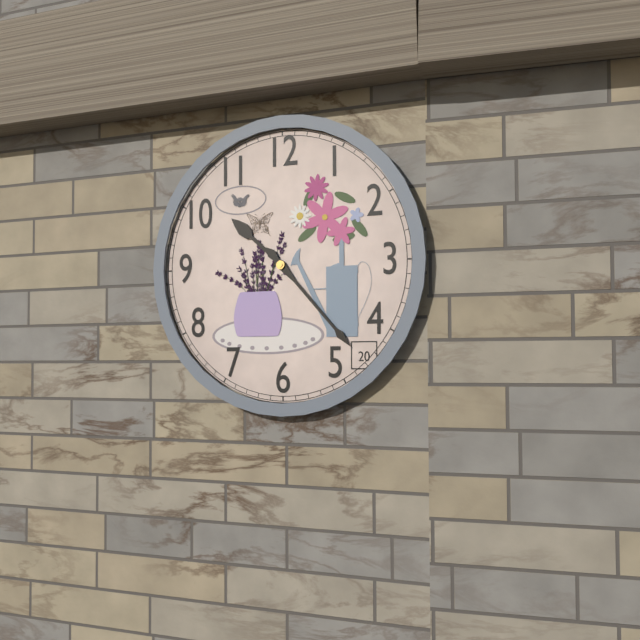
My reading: 10:23
